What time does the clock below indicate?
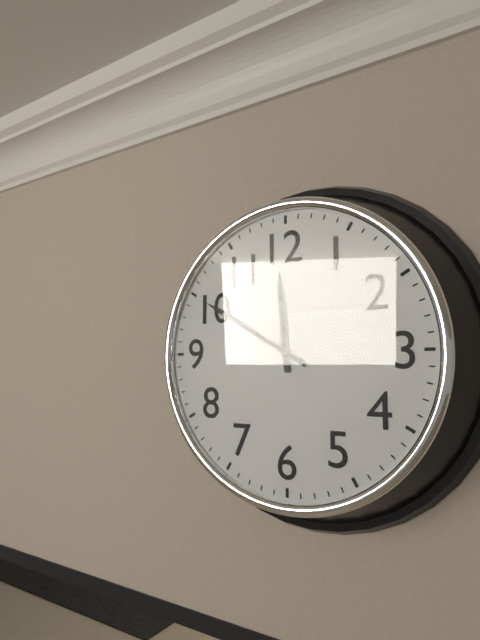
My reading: 11:50
